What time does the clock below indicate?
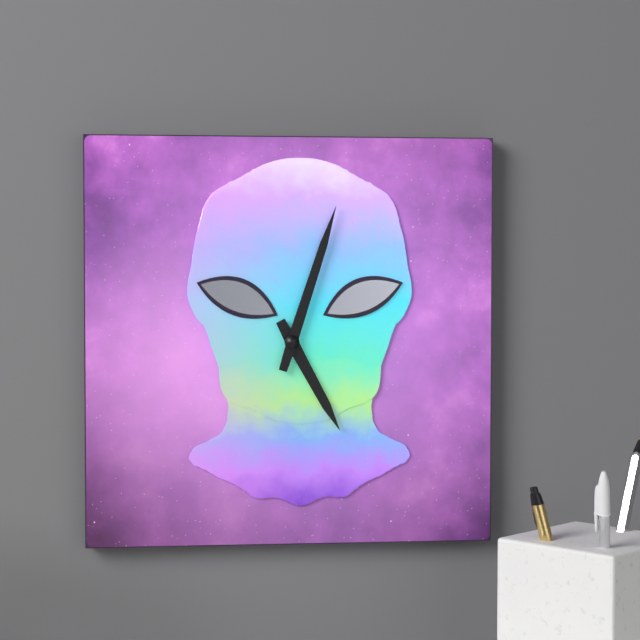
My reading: 5:03
